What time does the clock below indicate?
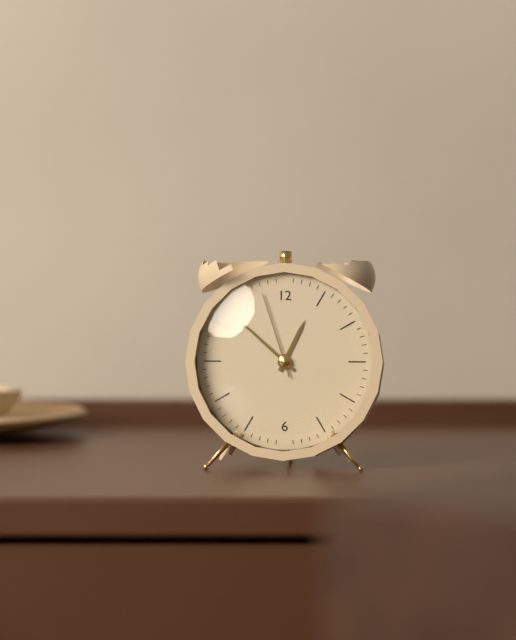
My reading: 12:52:57
